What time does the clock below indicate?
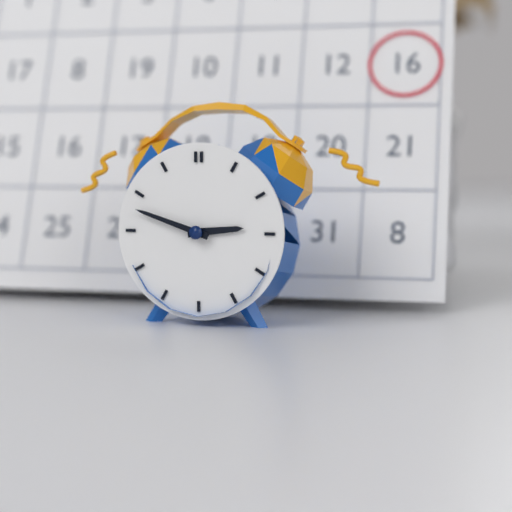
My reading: 2:48
